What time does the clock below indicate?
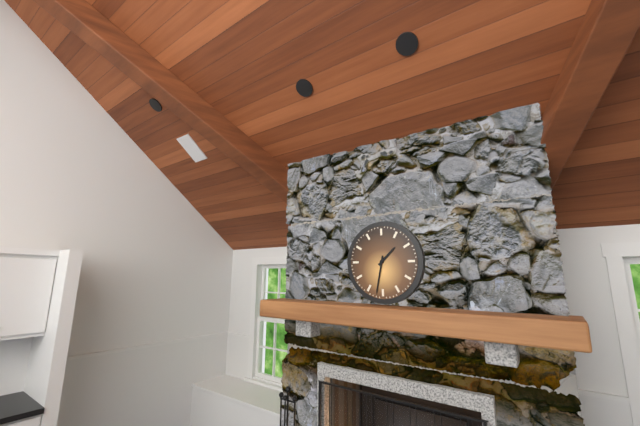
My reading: 1:32
